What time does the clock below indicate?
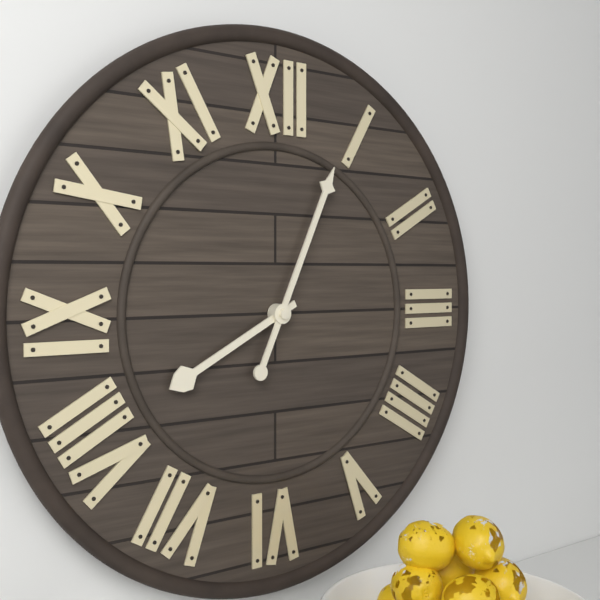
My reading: 8:04
